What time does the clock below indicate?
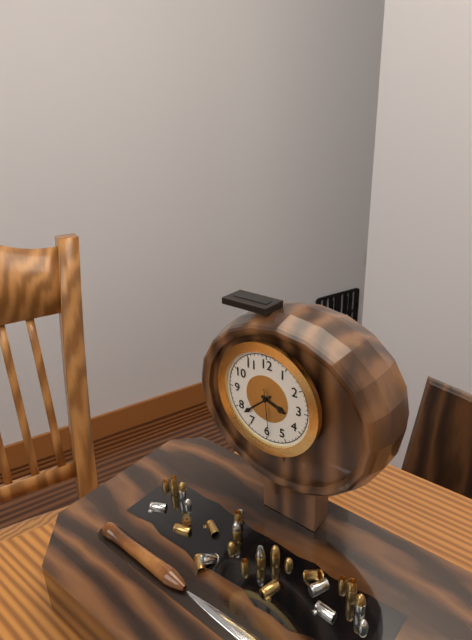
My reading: 3:38
